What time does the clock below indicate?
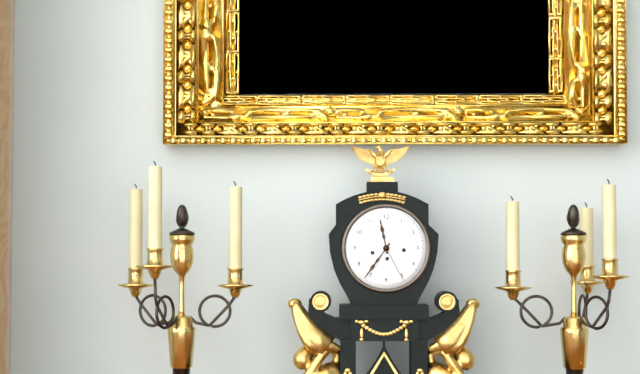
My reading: 11:36
